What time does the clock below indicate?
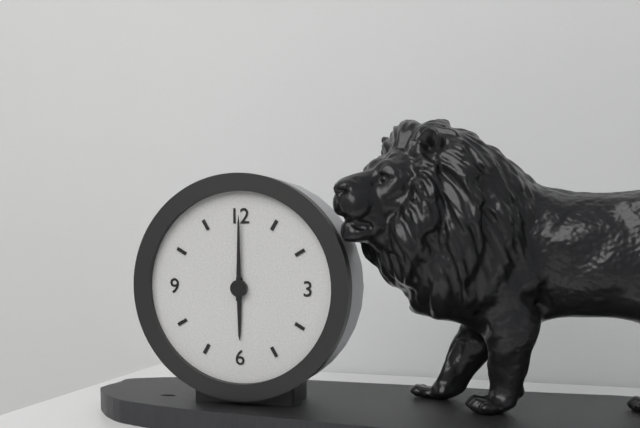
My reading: 6:00
